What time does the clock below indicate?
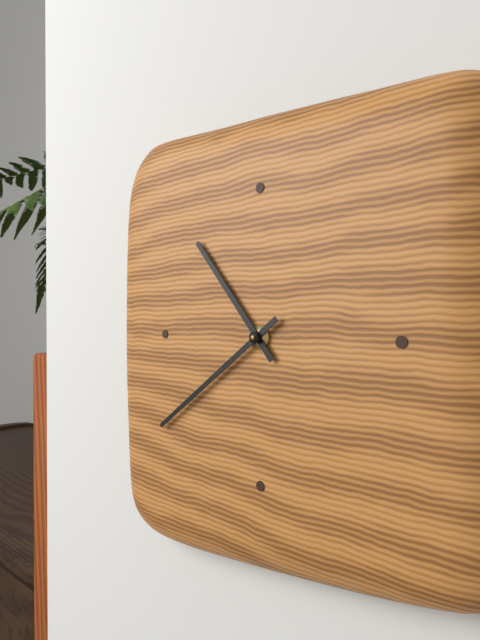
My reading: 10:39
